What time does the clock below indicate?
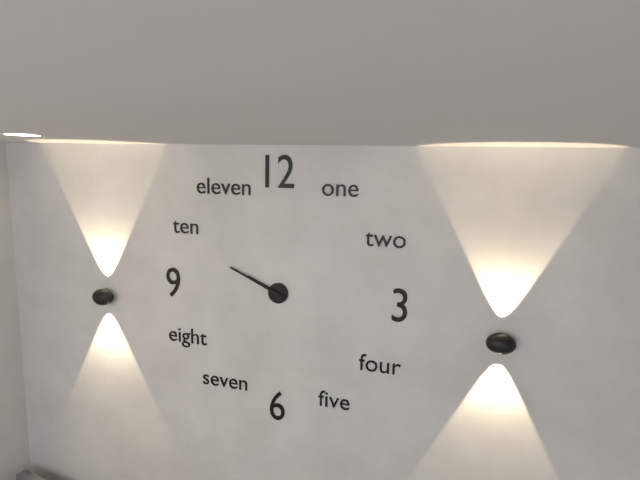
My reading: 9:49
